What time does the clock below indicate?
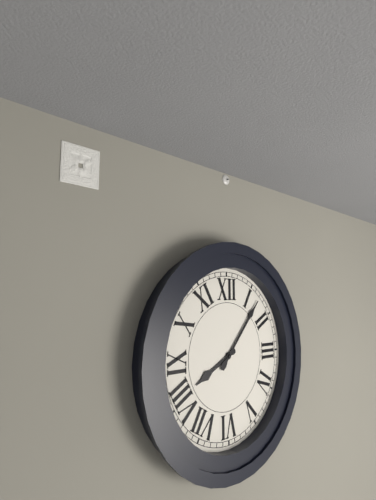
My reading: 8:07
